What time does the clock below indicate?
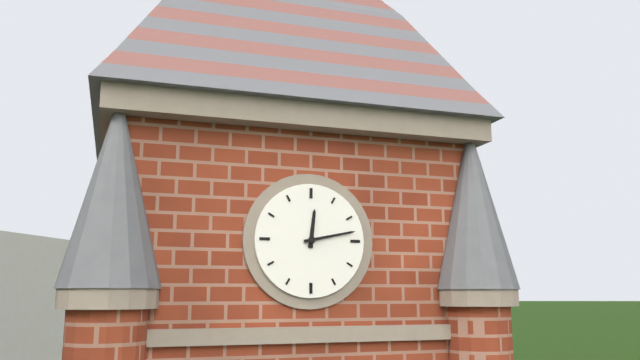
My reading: 12:13
